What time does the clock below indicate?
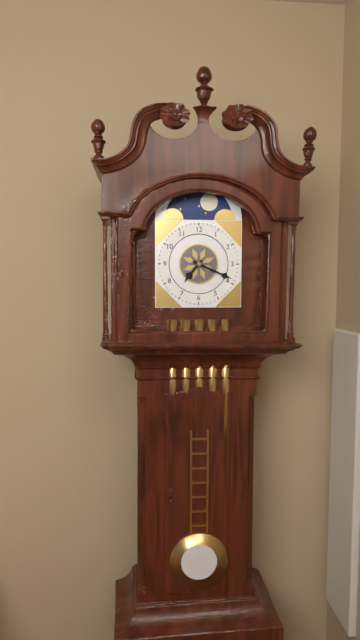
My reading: 7:19
